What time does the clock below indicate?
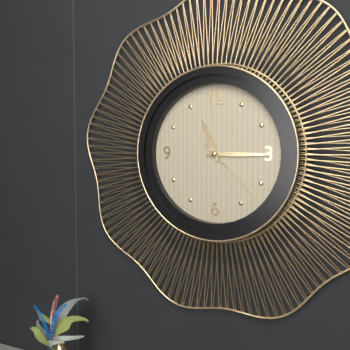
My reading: 11:15:22
